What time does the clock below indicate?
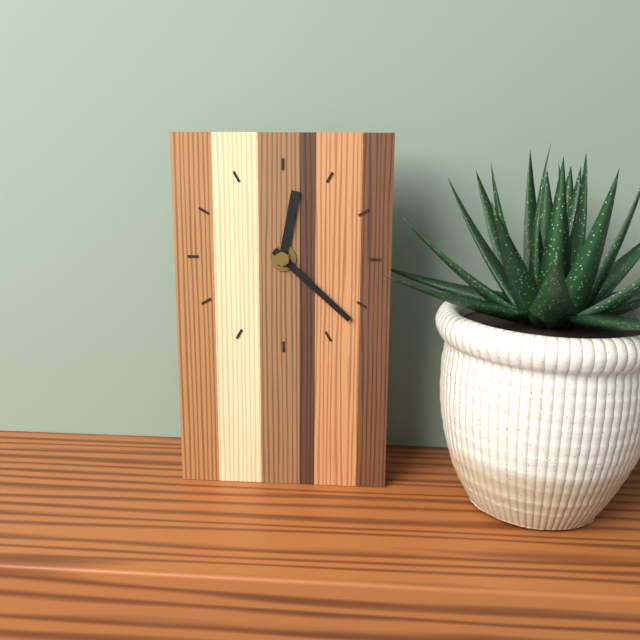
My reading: 12:22
